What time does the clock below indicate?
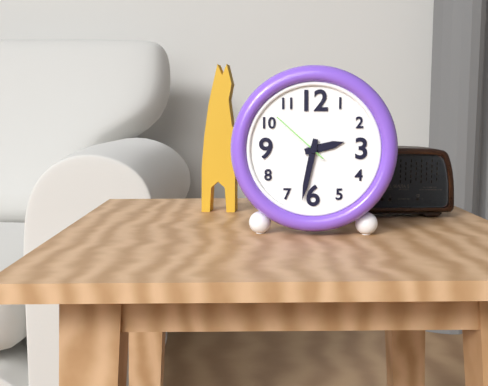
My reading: 2:32:52
